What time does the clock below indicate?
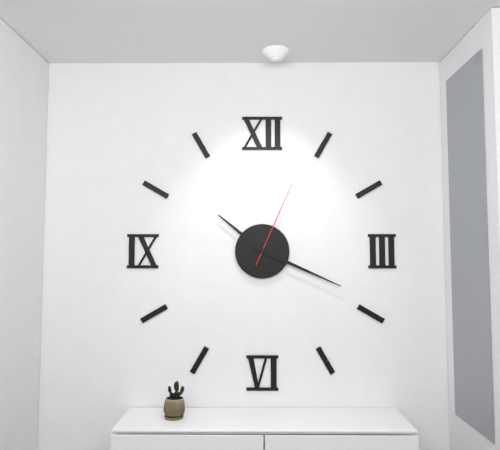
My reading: 10:19:04
